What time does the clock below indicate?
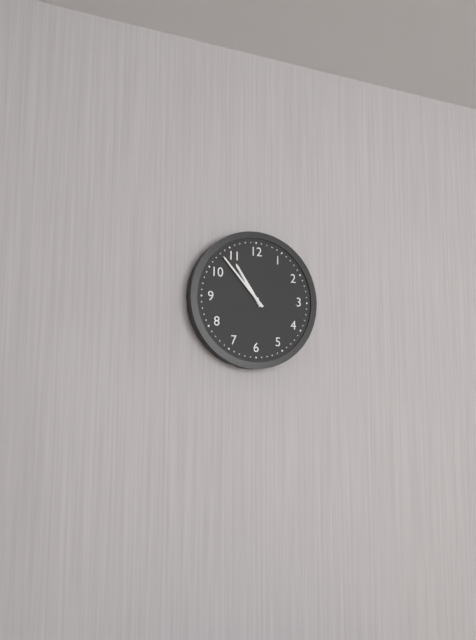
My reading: 10:53
